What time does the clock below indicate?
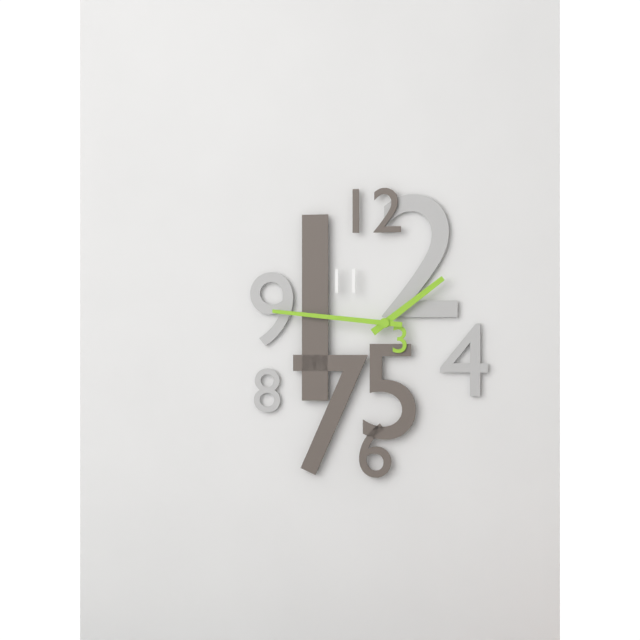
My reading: 1:46
